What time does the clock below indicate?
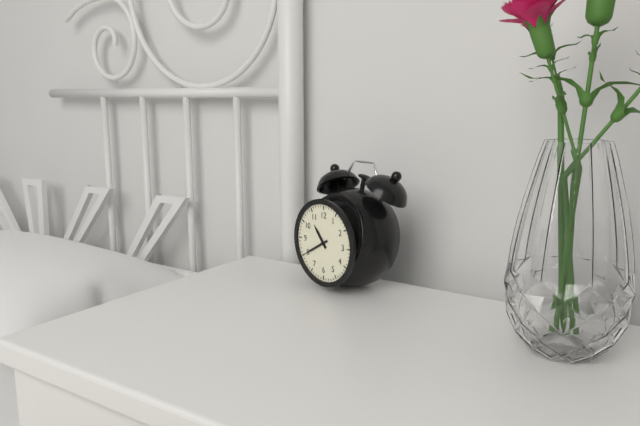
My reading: 10:40
